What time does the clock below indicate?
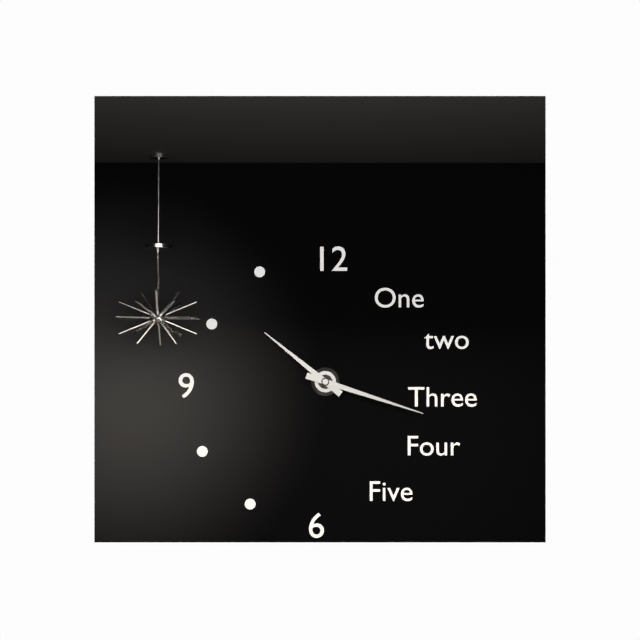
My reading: 10:18
